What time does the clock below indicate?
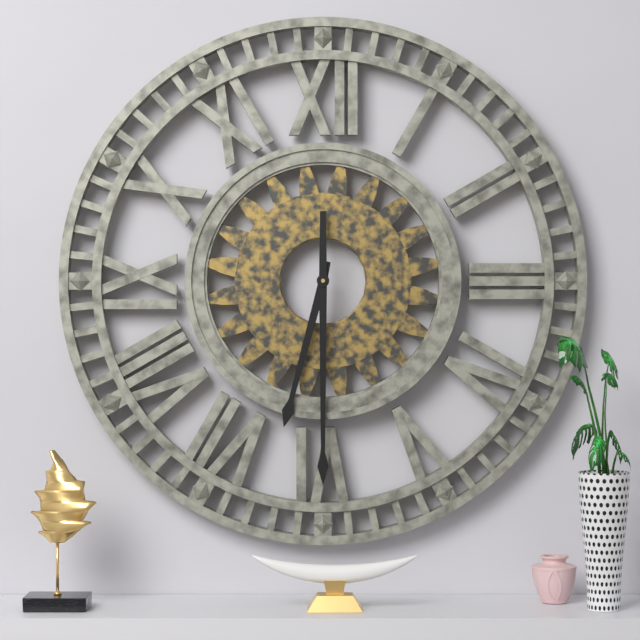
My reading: 6:30
